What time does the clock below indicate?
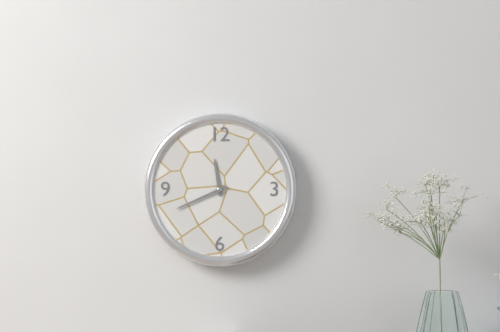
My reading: 11:41
